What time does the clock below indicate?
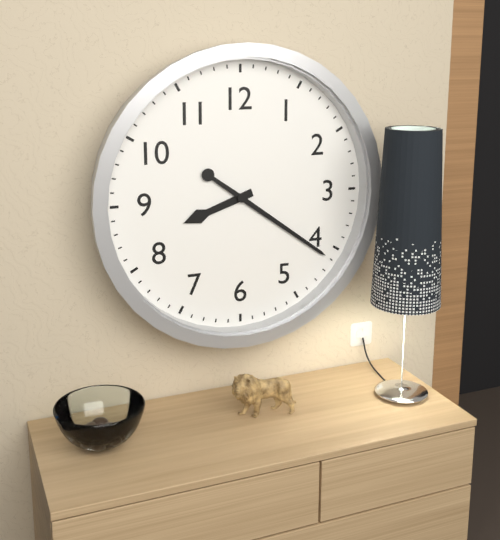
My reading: 8:21
